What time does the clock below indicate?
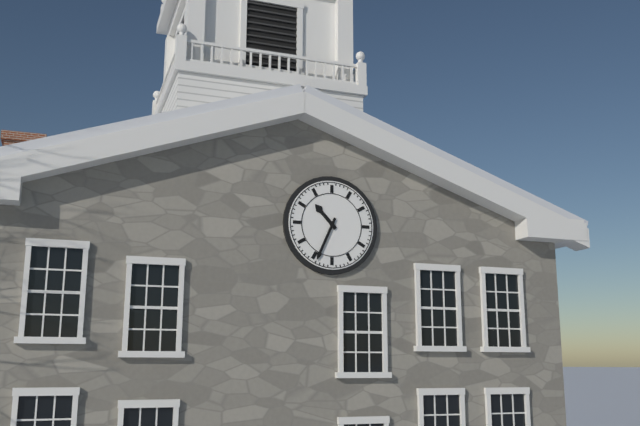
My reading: 10:34
